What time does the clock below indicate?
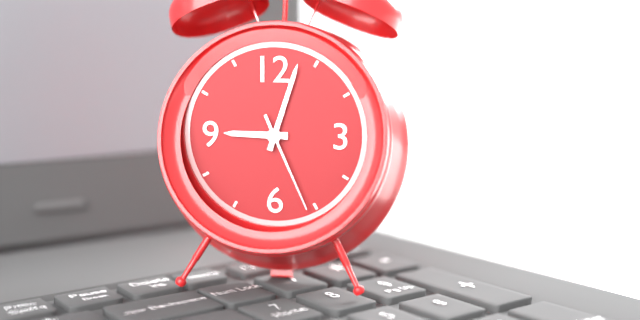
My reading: 9:03:26
